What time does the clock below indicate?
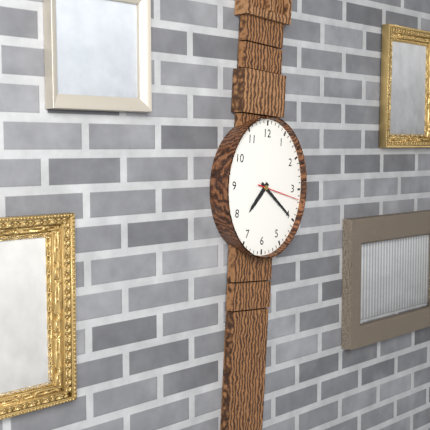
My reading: 7:21:17
